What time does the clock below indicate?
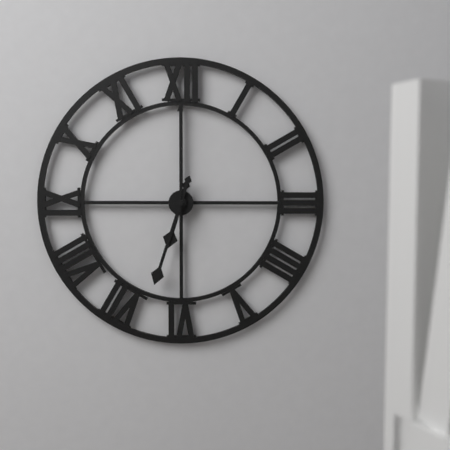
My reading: 6:33:00
